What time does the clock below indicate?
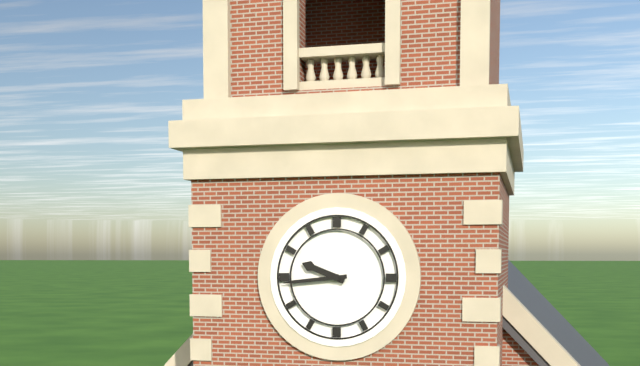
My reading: 9:44
